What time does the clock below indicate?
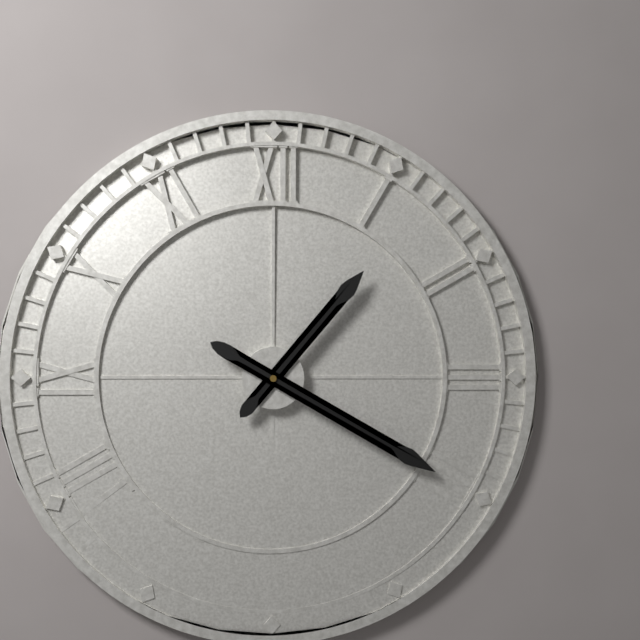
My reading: 1:20
